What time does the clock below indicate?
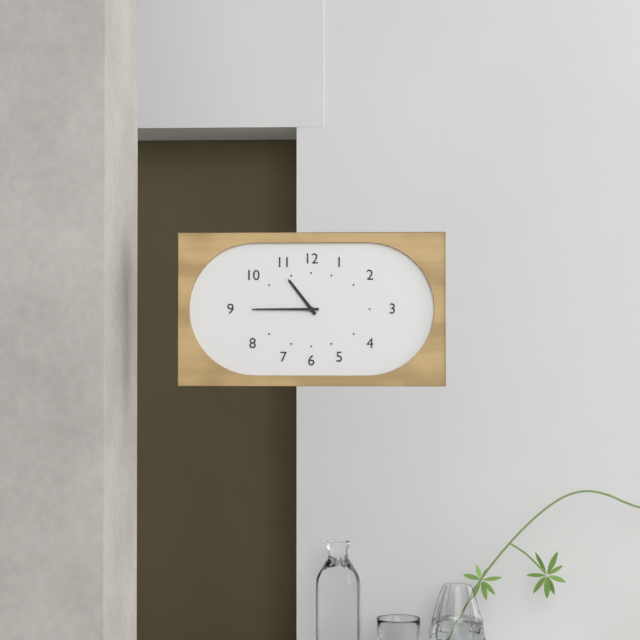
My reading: 10:45
